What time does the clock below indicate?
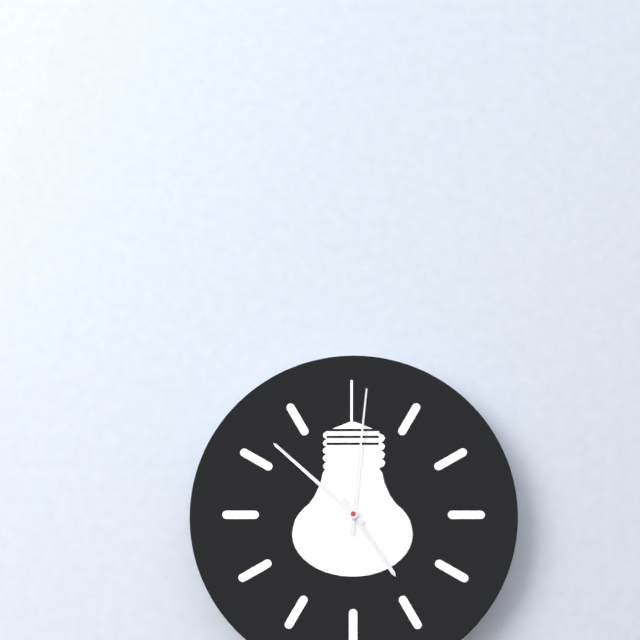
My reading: 4:52:01
